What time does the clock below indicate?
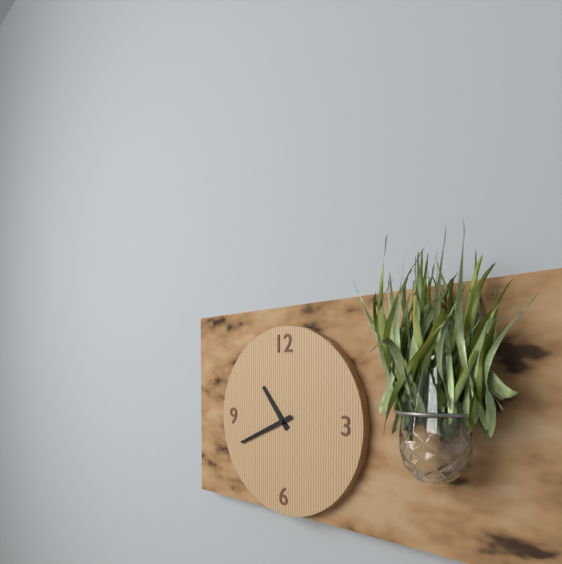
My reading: 10:41
